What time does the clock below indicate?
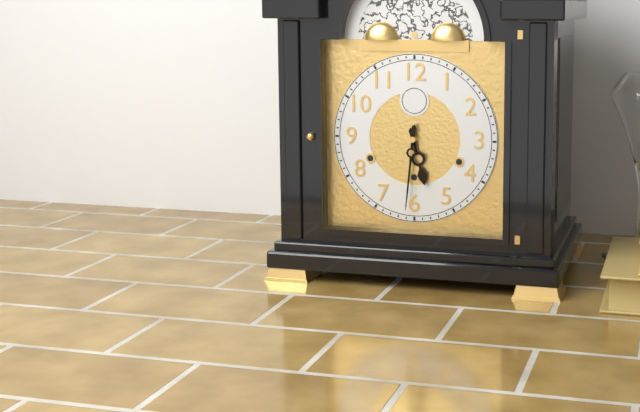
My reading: 5:31
